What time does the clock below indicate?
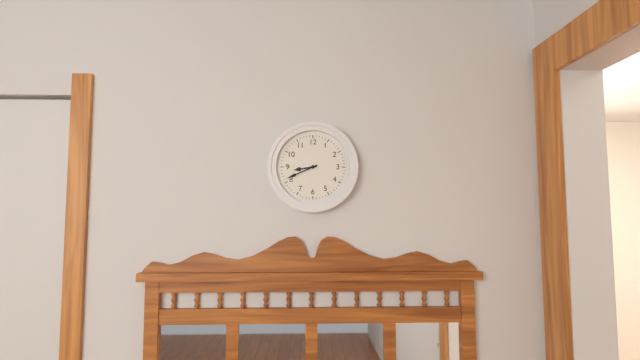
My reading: 8:41
